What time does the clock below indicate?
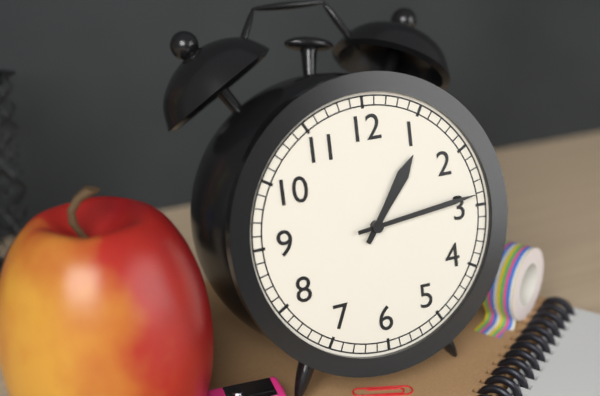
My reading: 1:14
